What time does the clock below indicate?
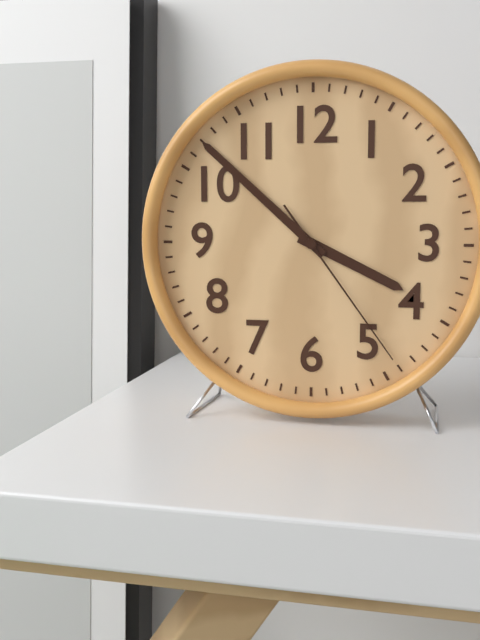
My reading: 3:52:24
